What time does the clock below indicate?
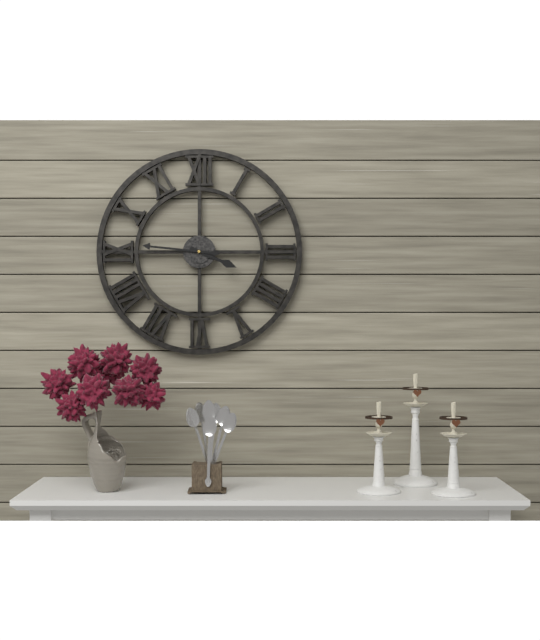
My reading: 3:46
